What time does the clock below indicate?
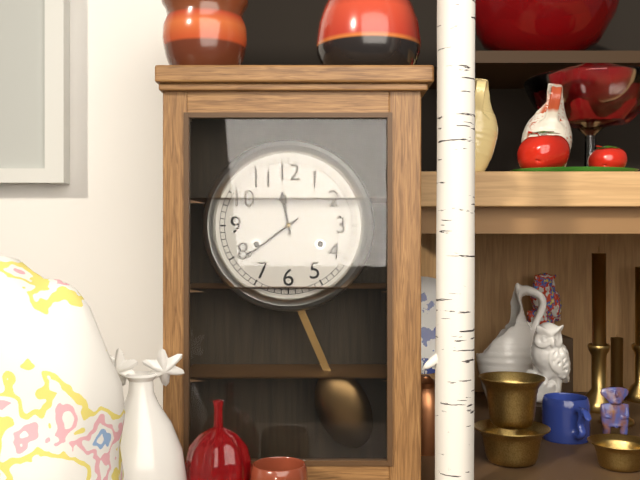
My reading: 11:39
